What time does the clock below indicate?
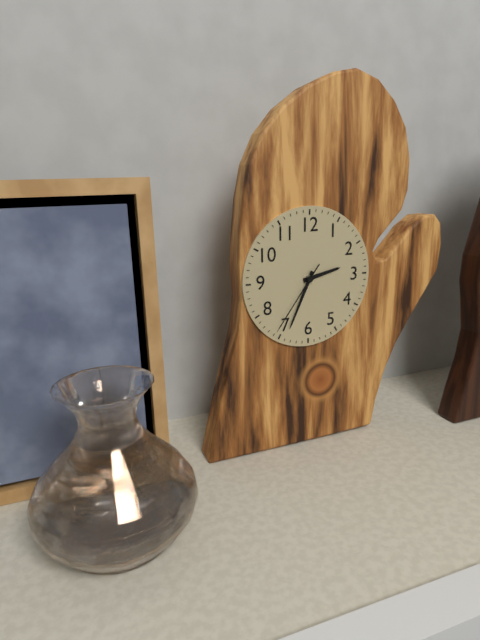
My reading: 2:34:36
